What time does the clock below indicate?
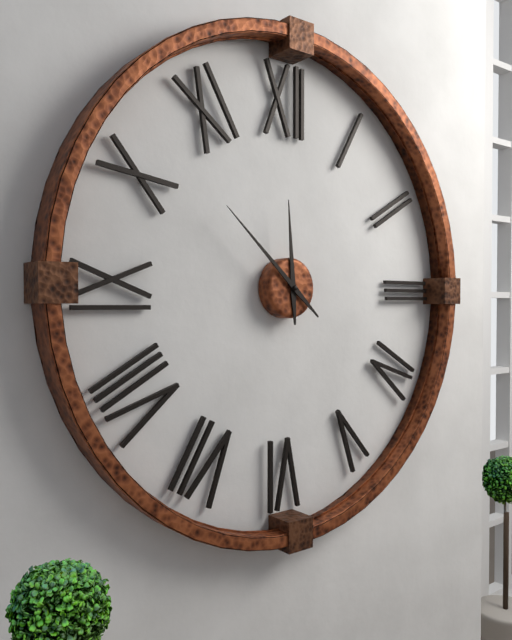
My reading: 11:52
